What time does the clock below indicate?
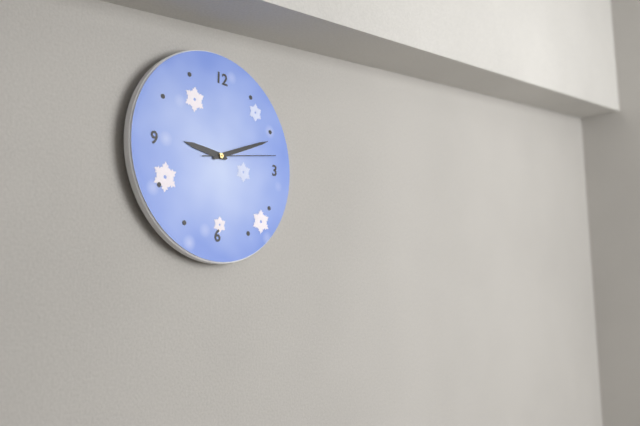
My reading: 9:11:13
